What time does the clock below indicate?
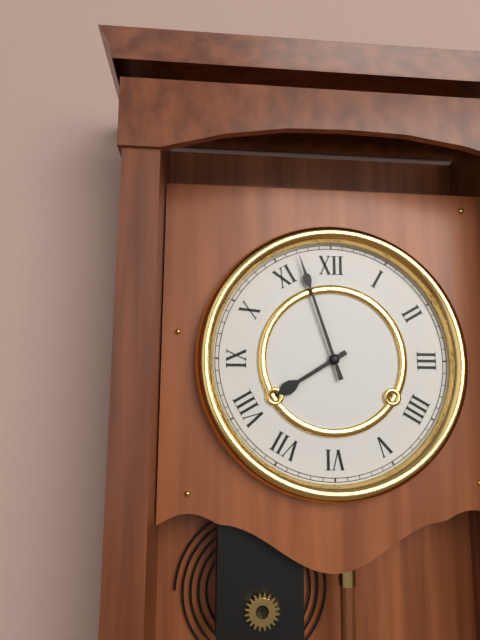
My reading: 7:57
